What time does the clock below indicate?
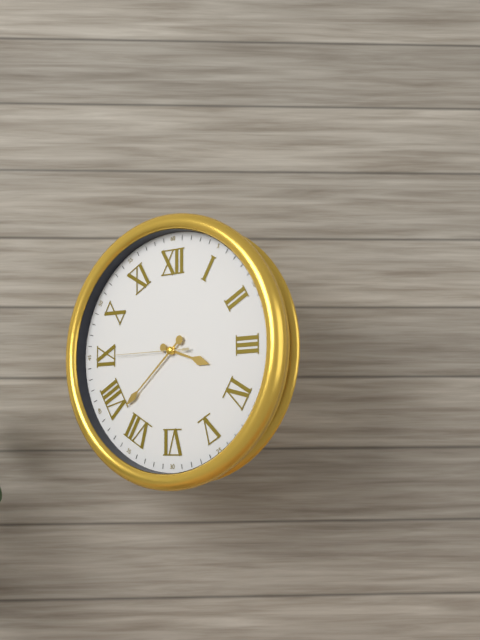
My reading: 3:38:45
